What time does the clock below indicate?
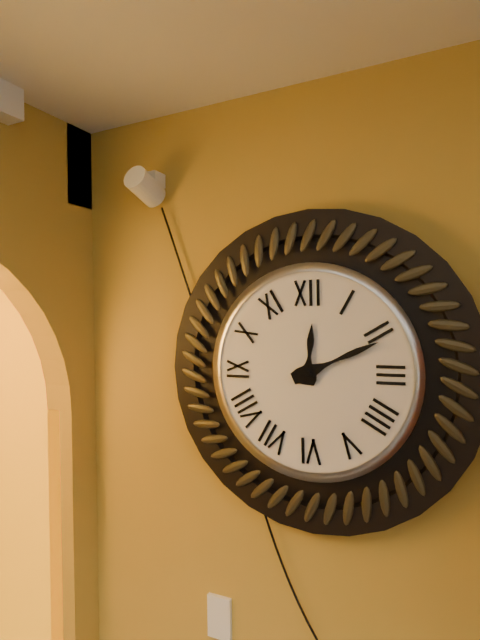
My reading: 12:11
